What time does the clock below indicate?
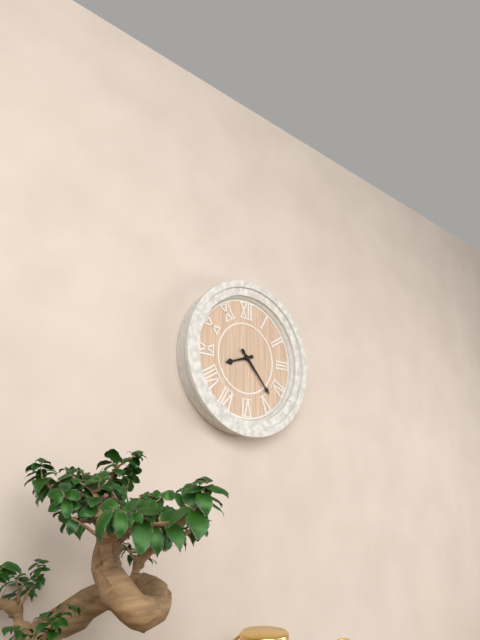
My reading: 8:23
